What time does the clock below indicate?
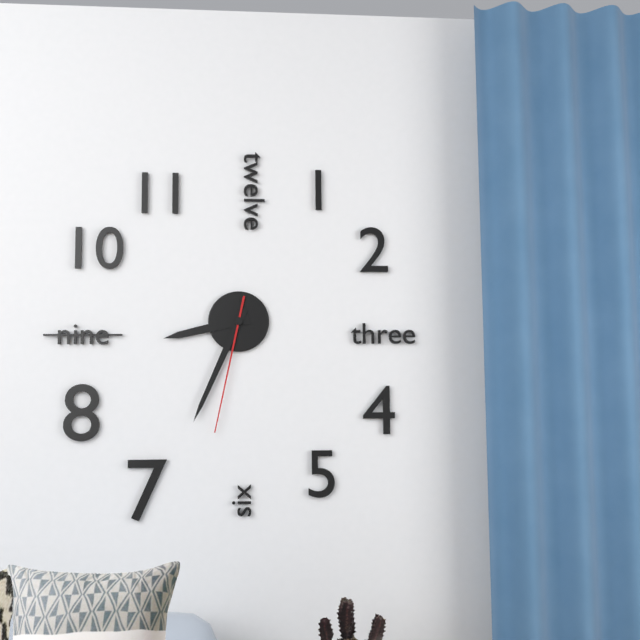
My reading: 8:34:32
